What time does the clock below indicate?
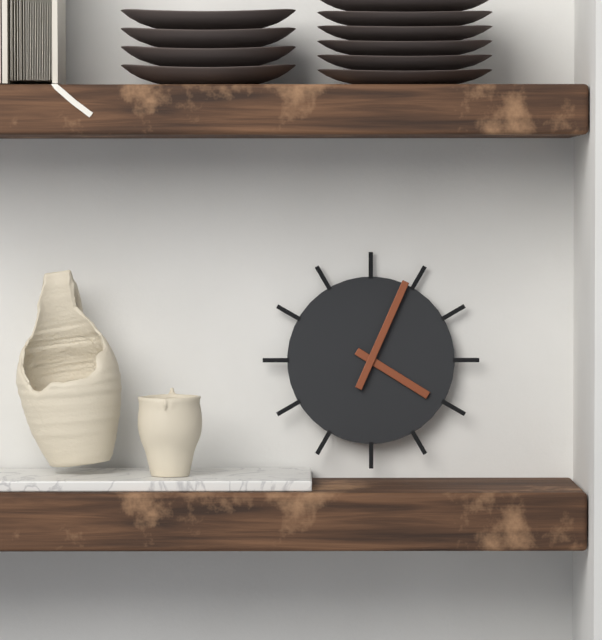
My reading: 4:04
